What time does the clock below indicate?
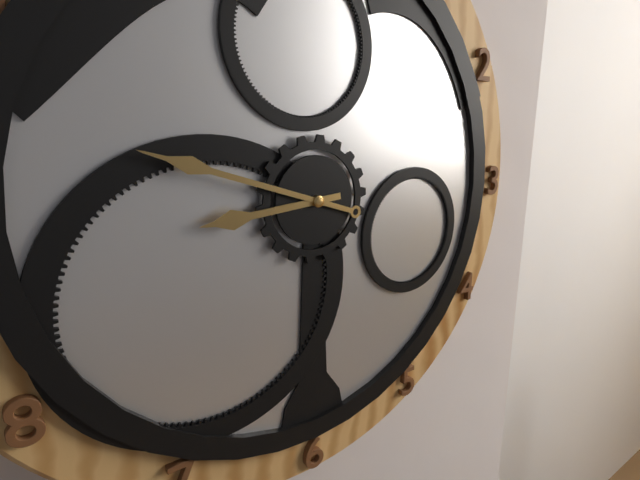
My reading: 8:48
